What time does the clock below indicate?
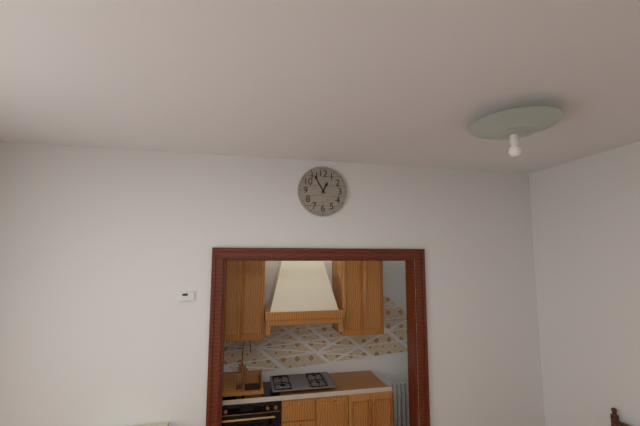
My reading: 12:55
